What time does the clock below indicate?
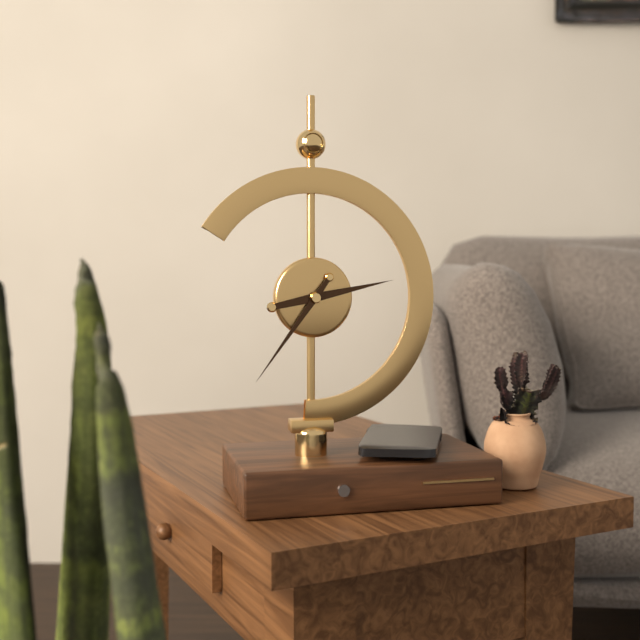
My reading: 2:36
